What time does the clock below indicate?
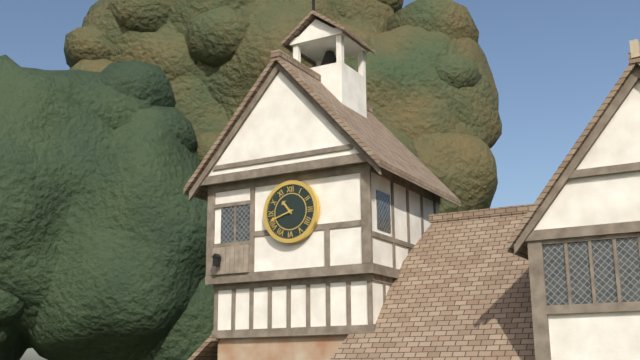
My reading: 10:42
